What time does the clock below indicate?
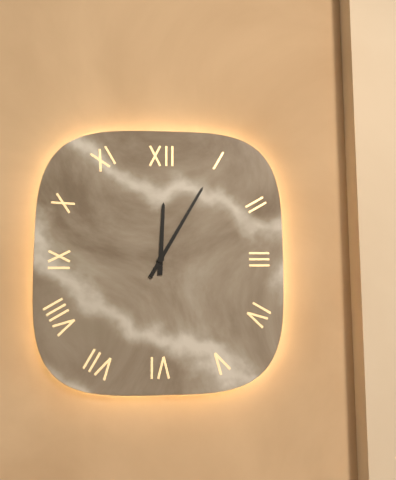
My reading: 12:05
